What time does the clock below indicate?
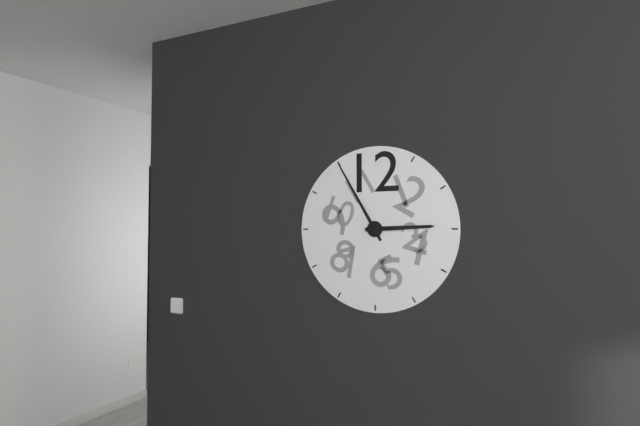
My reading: 2:55
